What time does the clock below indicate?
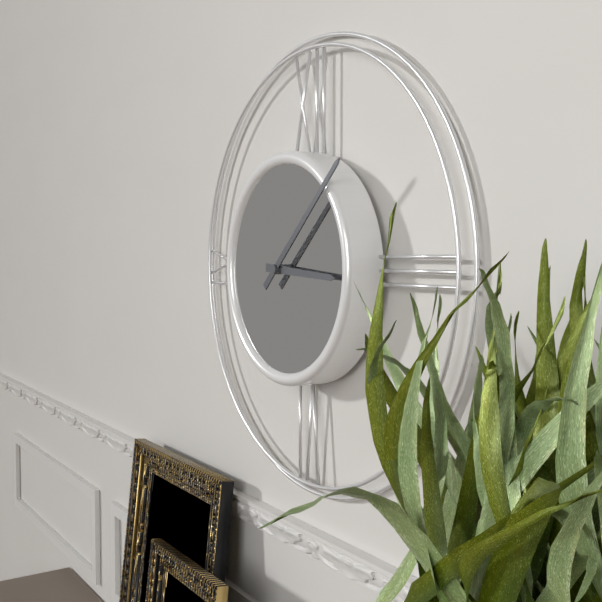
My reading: 3:08
